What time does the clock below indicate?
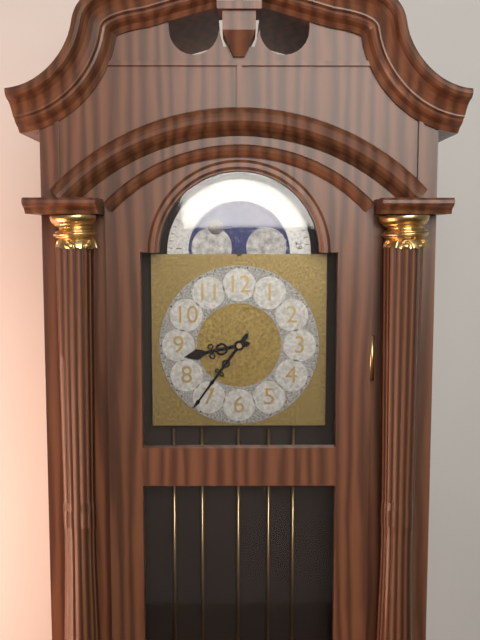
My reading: 8:36
